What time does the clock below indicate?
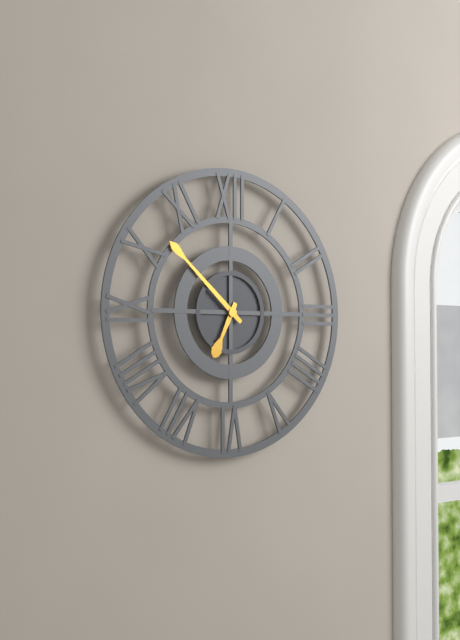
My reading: 6:52
